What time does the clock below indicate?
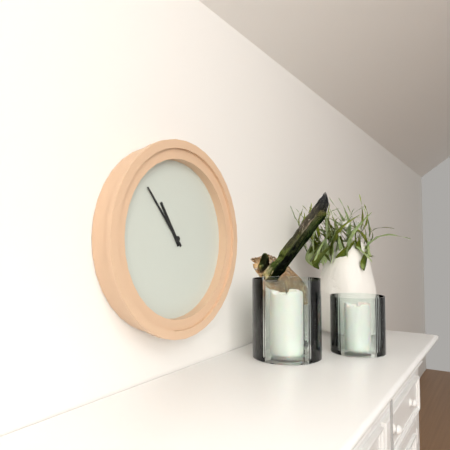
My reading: 10:53
